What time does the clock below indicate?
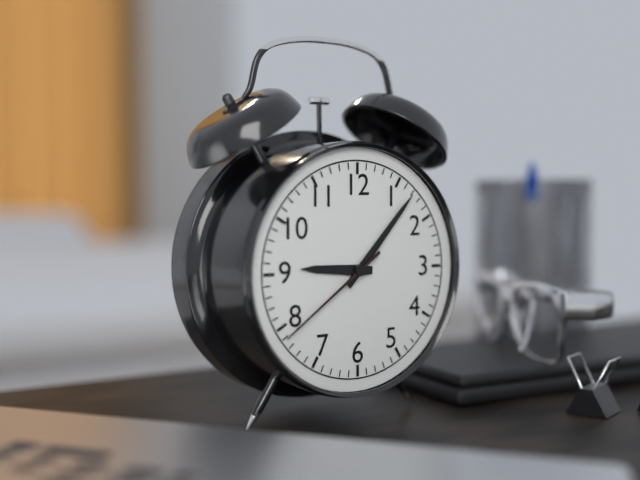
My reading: 9:07:39
